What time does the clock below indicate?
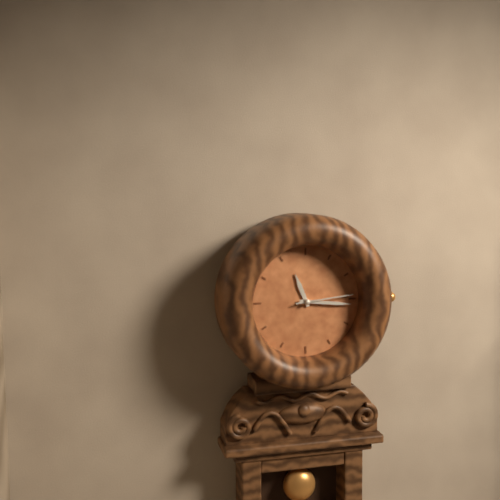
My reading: 11:16:14
